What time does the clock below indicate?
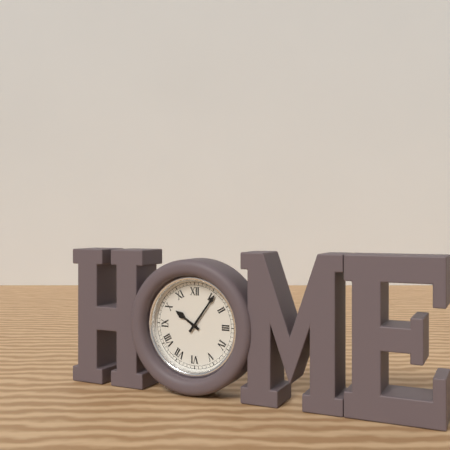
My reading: 10:06
